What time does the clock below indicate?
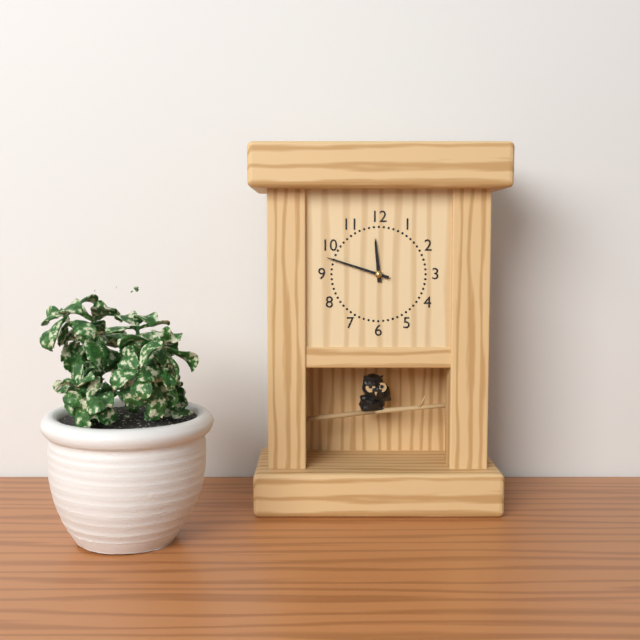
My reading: 11:48
